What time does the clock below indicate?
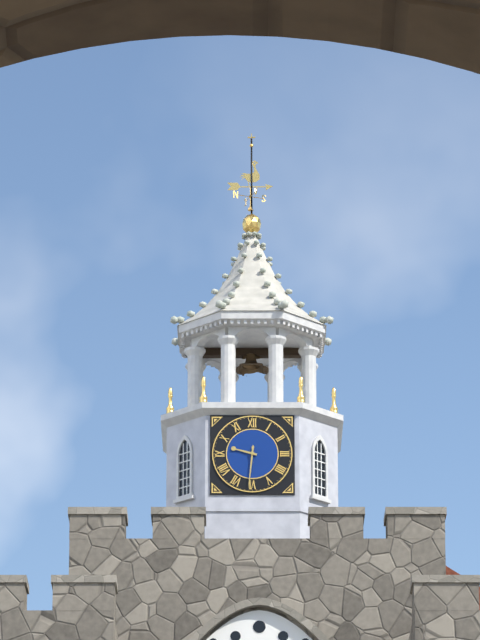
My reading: 9:31
